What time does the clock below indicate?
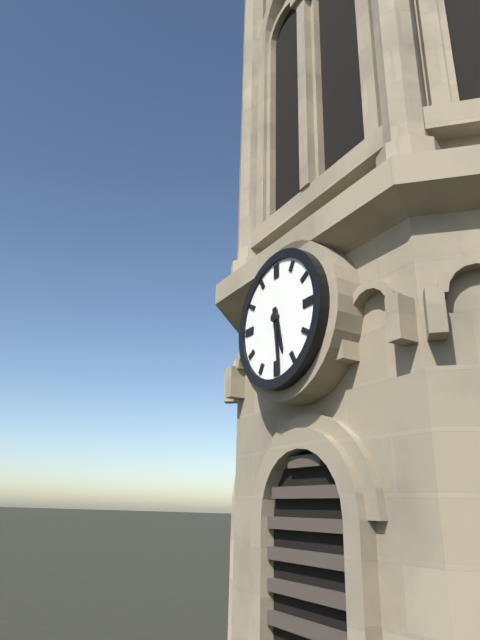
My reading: 5:29
